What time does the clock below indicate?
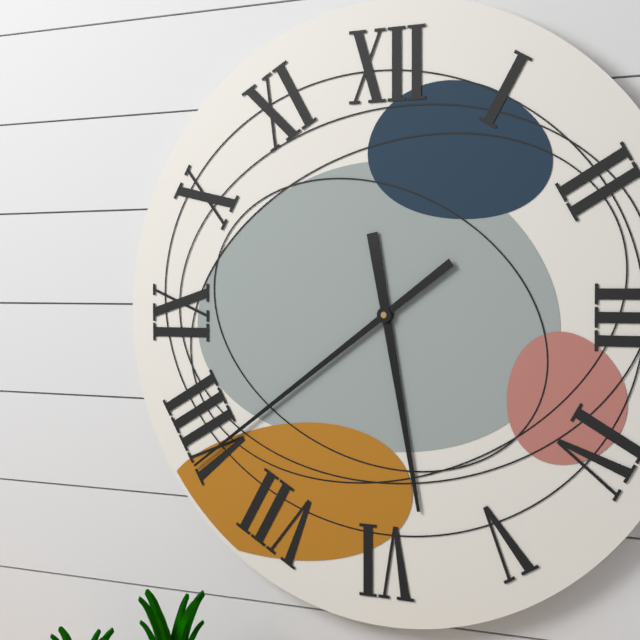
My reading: 5:39
